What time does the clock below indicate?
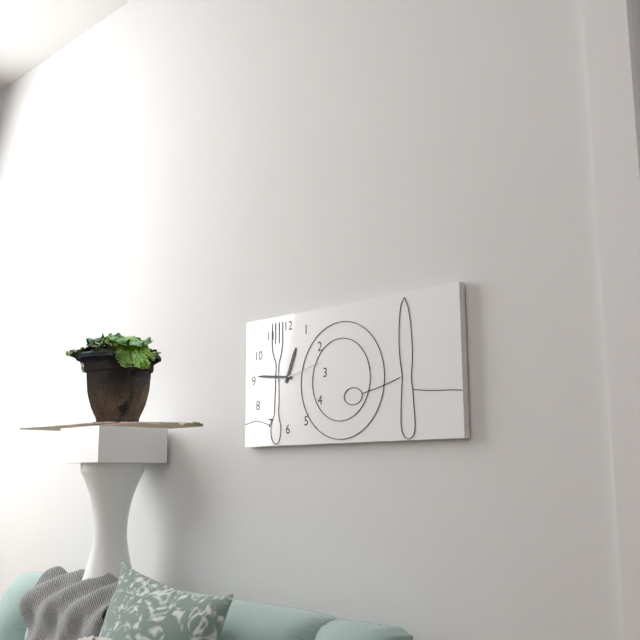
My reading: 12:46
